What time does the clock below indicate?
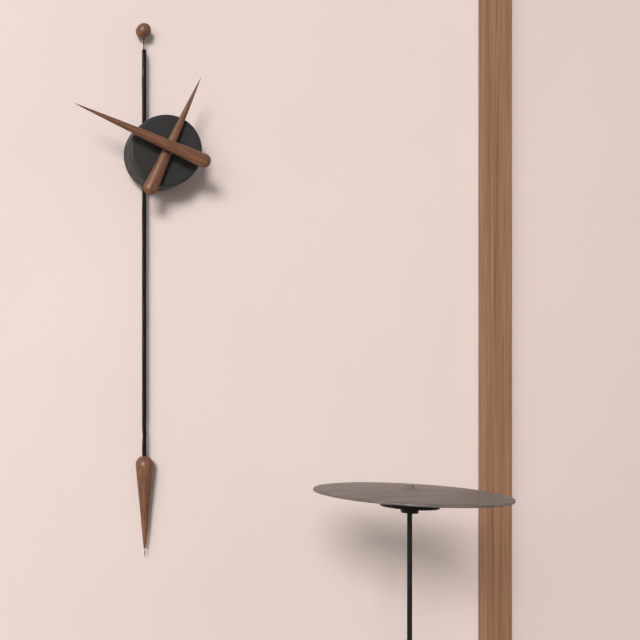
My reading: 12:49
